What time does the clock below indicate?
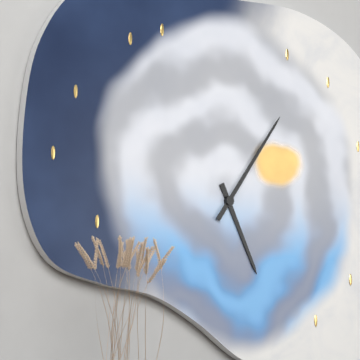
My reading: 5:06
